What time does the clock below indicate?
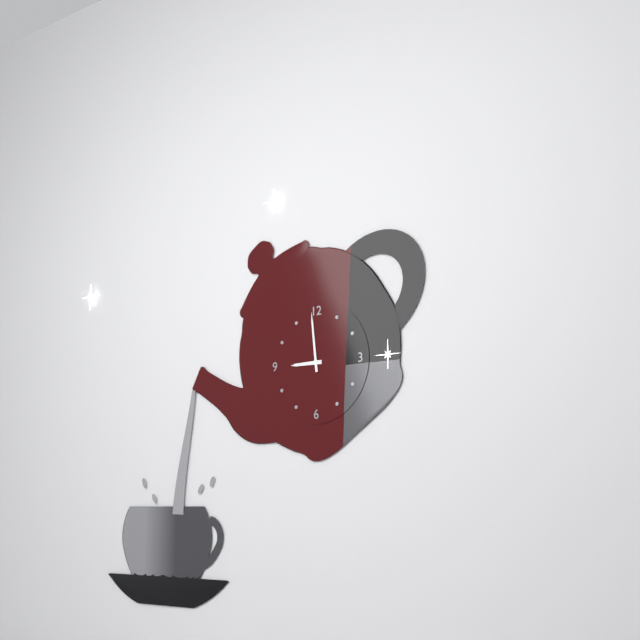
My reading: 8:59
